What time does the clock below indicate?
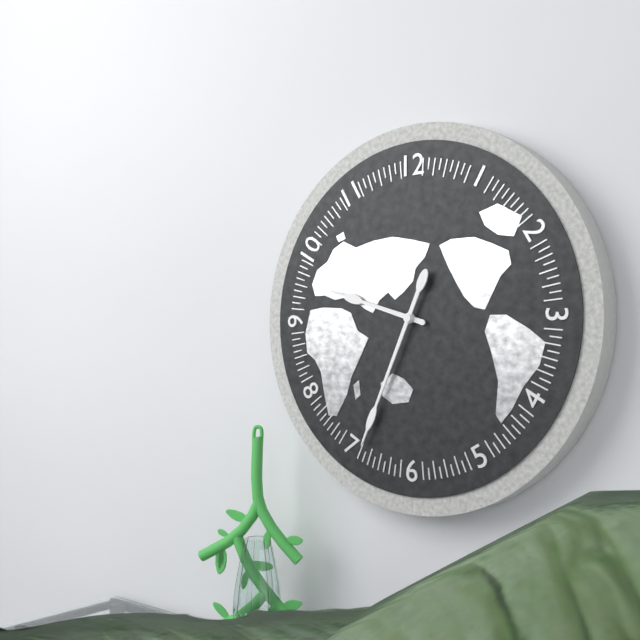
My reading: 9:34
